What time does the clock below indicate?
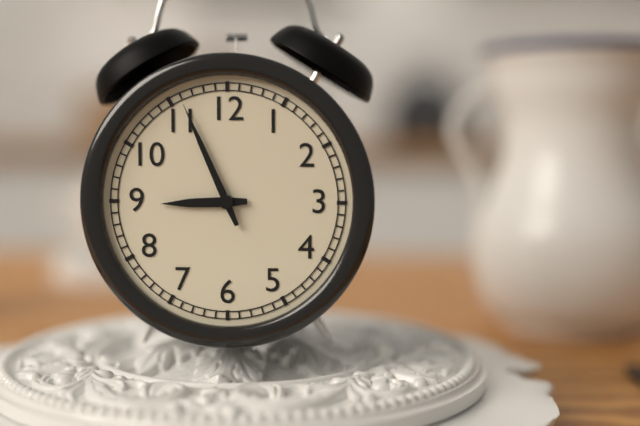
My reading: 8:56
